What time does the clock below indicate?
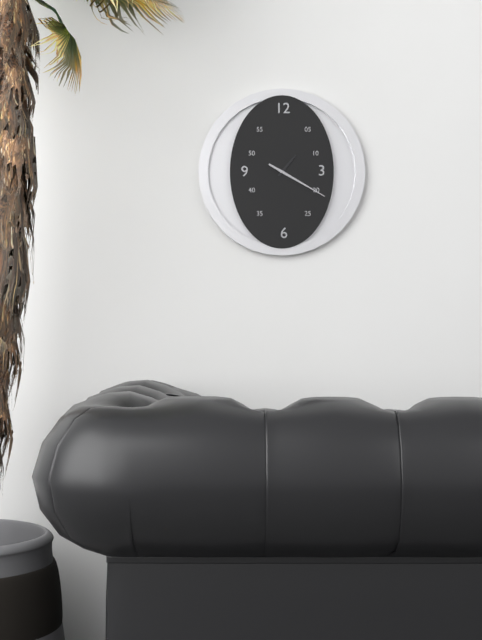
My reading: 1:20
